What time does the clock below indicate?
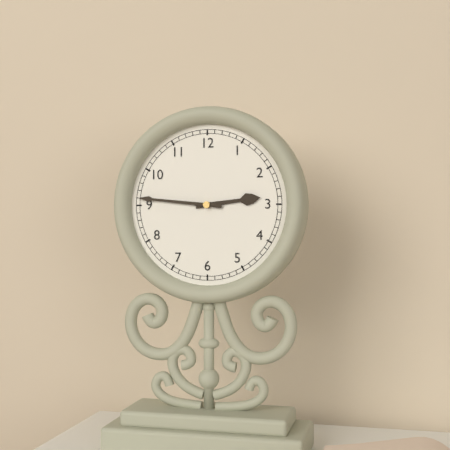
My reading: 2:46
